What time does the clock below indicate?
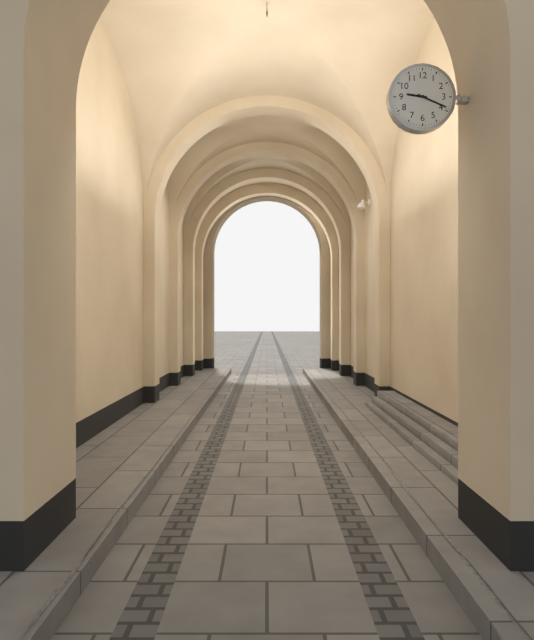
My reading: 9:19
